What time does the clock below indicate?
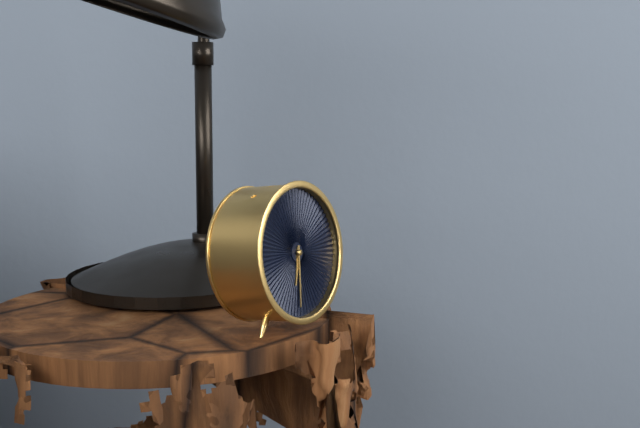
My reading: 6:31
